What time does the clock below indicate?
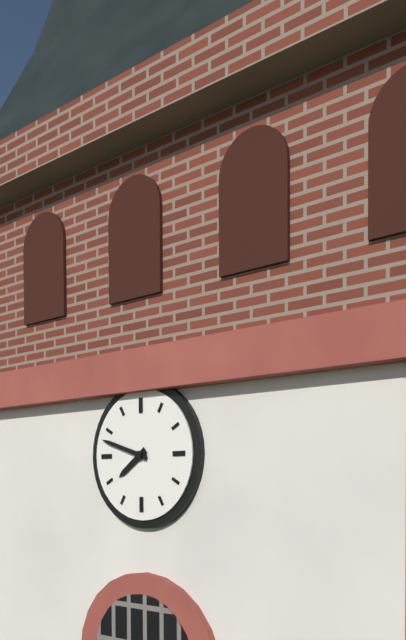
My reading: 7:48
